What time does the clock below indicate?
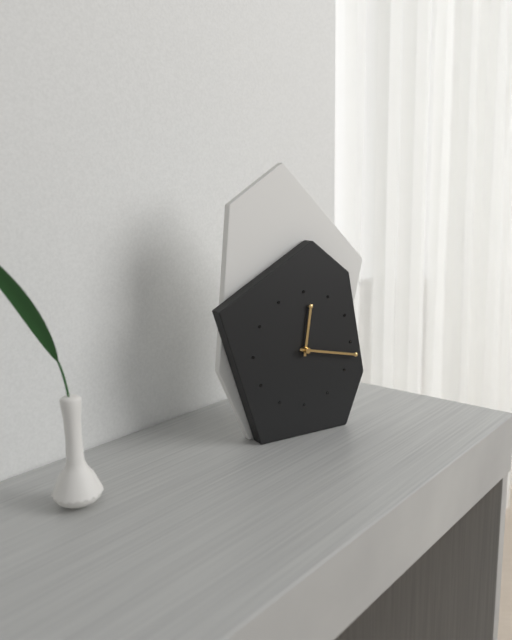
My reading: 12:17
